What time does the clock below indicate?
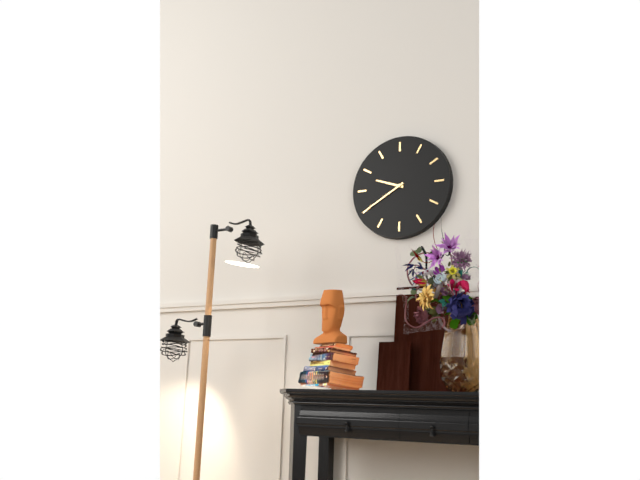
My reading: 9:40
